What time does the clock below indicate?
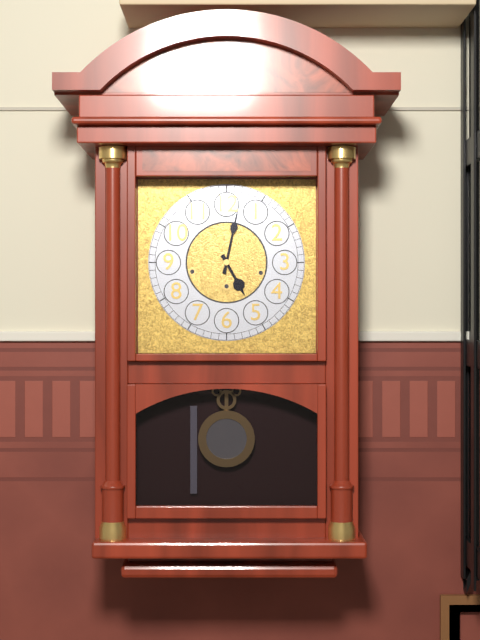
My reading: 5:02
